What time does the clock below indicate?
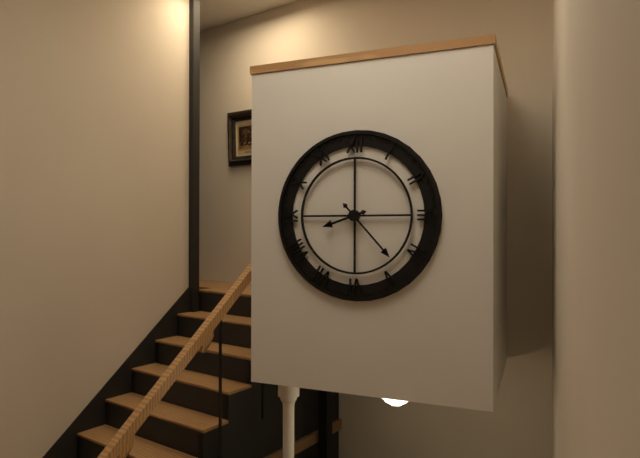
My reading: 8:23
